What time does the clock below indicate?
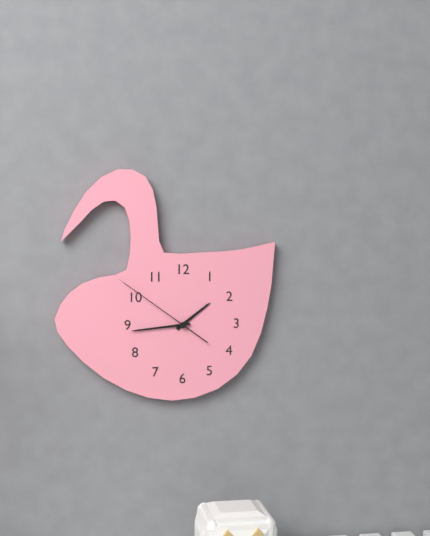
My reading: 1:44:51
